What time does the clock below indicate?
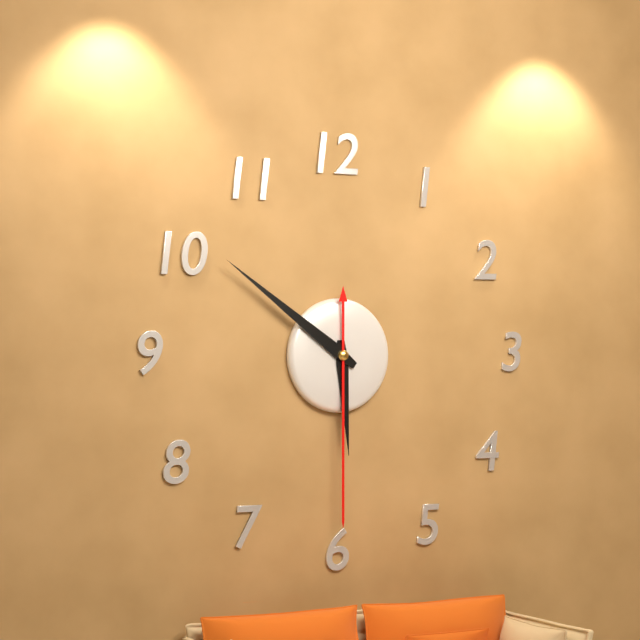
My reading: 5:51:30
